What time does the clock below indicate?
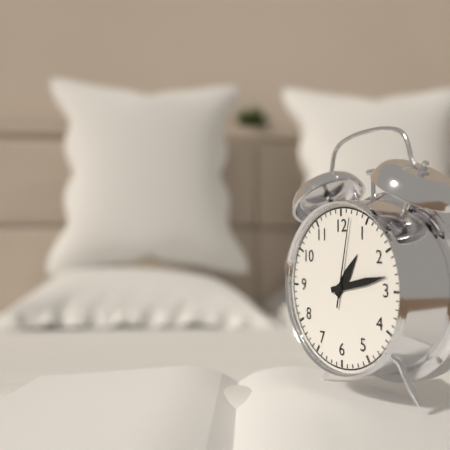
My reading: 1:13:02
